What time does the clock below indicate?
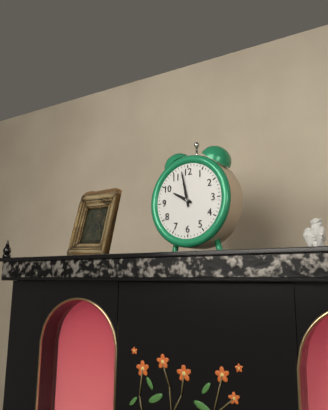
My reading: 9:58
